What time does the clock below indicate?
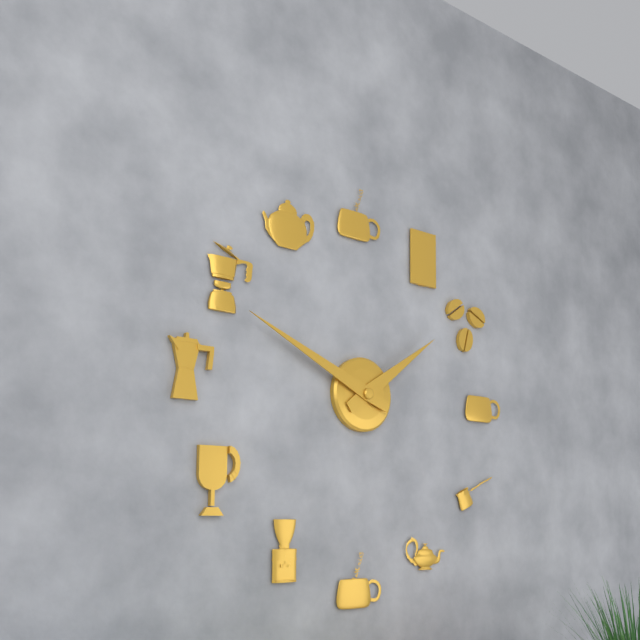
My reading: 1:49
